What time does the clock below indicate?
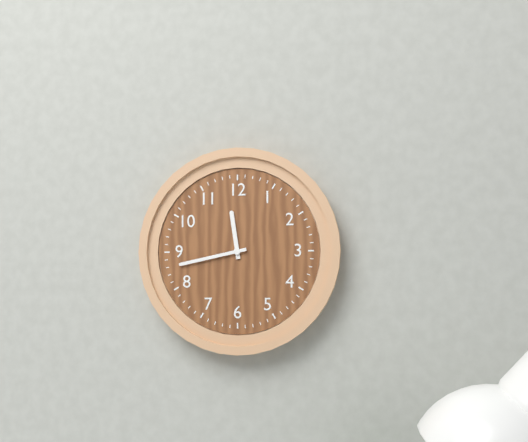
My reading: 11:43
